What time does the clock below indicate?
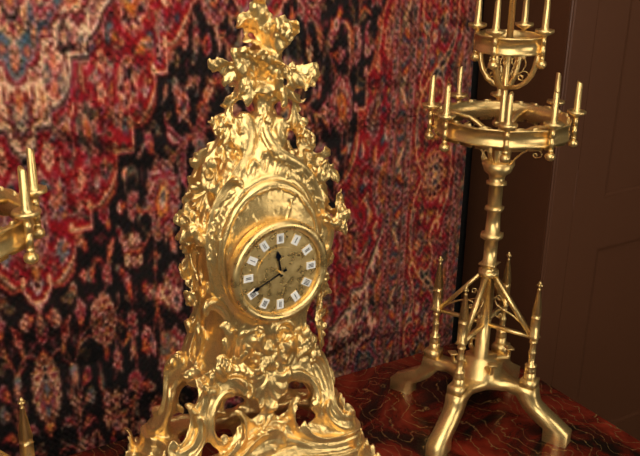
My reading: 11:41
